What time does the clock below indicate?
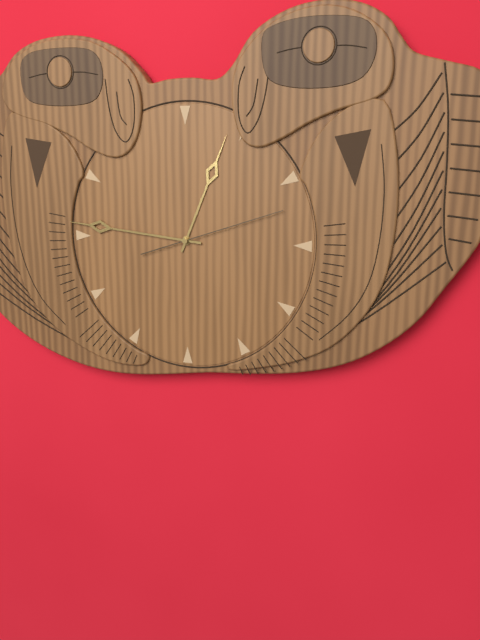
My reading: 12:46:12
